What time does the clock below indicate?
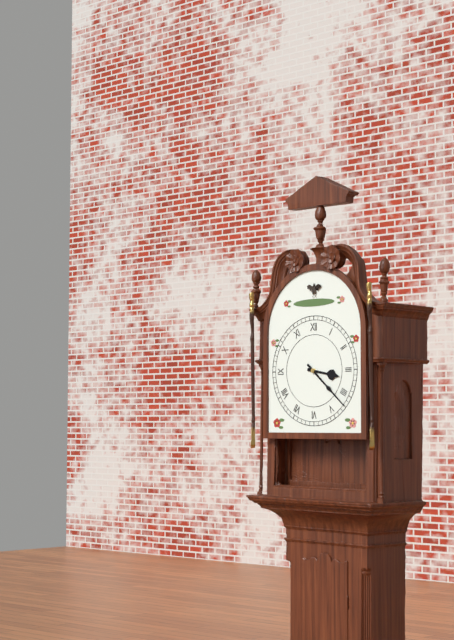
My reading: 3:22
